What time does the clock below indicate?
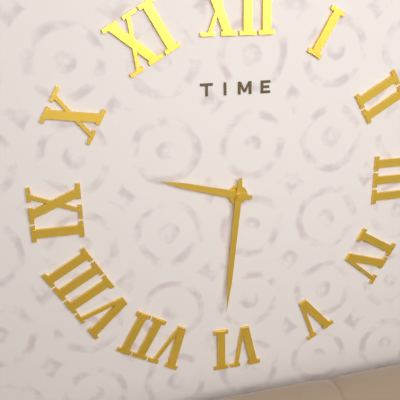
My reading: 9:31
